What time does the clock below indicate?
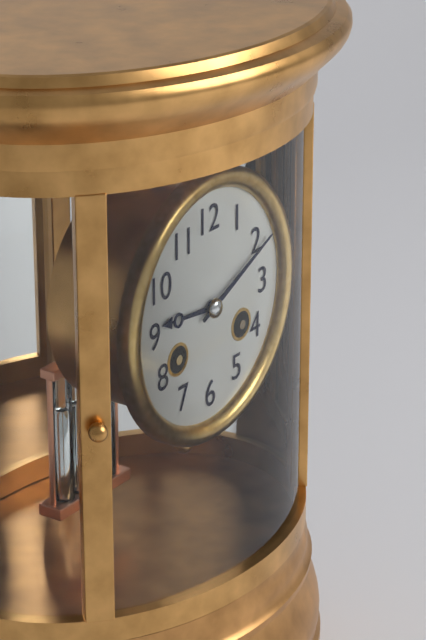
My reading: 9:11
